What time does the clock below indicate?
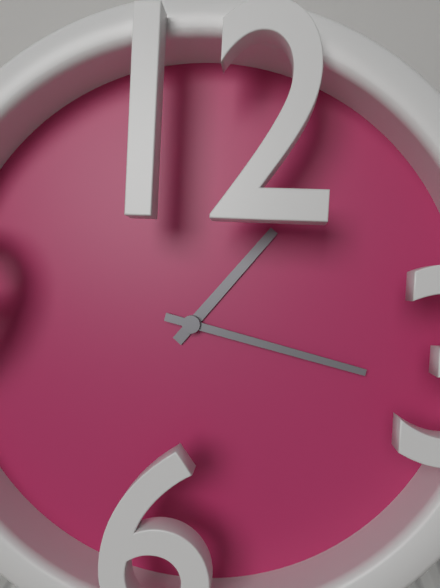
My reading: 1:17
